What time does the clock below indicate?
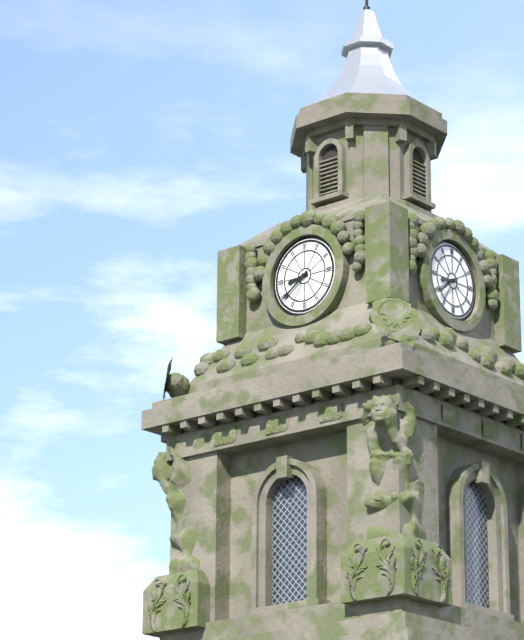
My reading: 8:39
